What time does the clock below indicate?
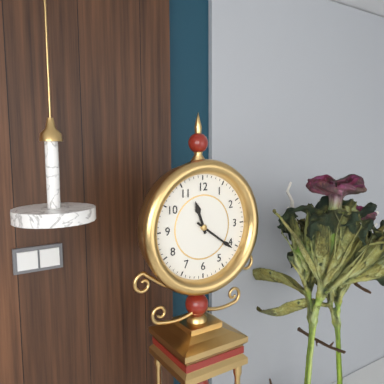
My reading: 11:21
